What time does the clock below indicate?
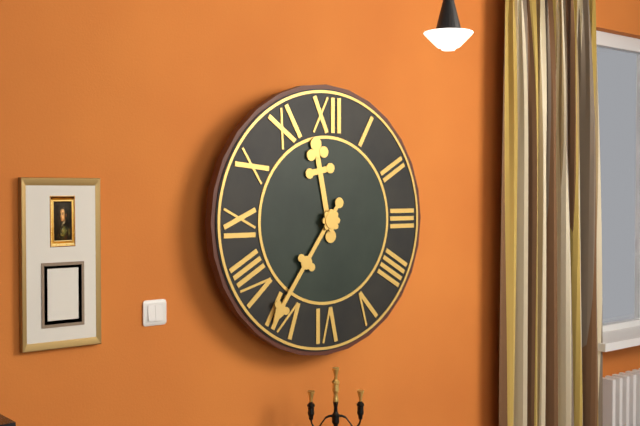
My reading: 11:36
